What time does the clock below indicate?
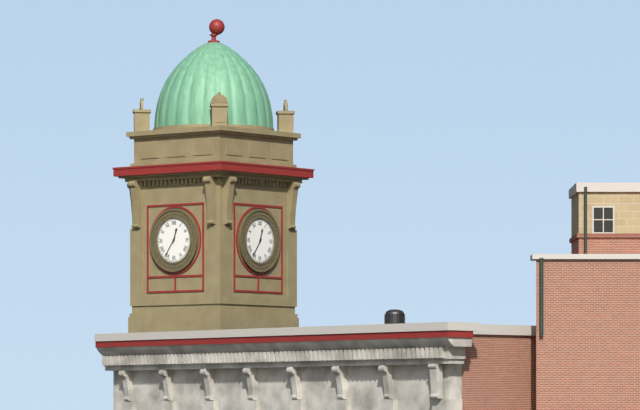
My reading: 12:36
